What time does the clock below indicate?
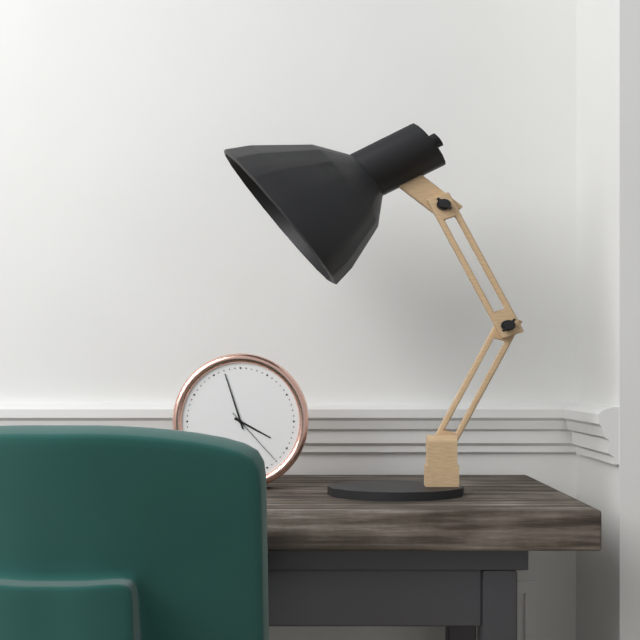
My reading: 3:57:23
